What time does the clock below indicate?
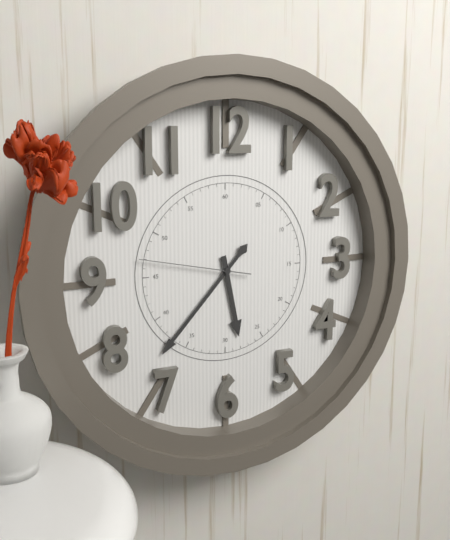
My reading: 5:37:47
